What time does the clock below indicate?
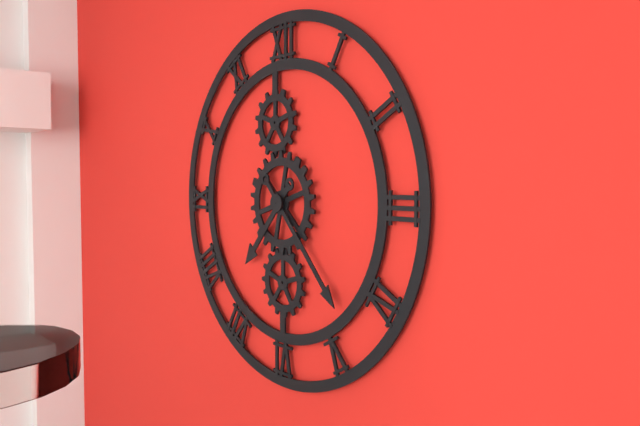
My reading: 7:23
